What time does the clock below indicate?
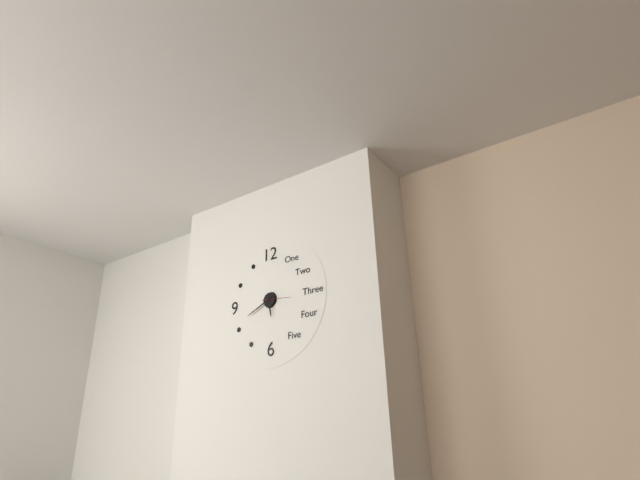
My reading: 5:41
